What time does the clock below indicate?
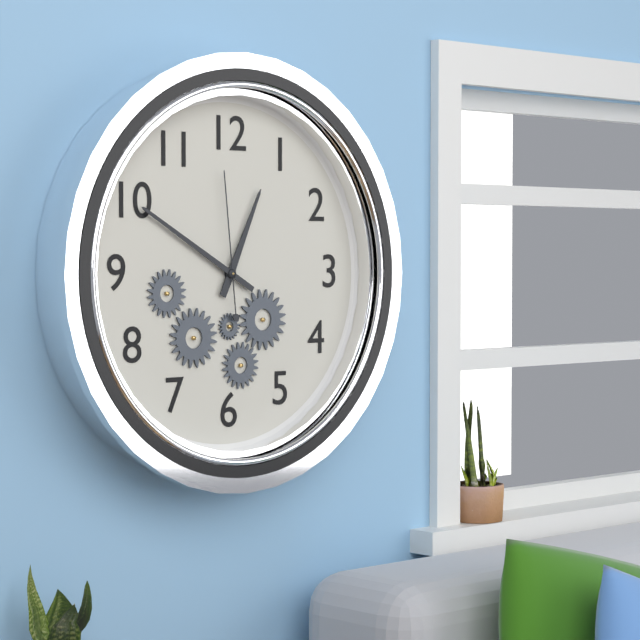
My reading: 12:50:59
